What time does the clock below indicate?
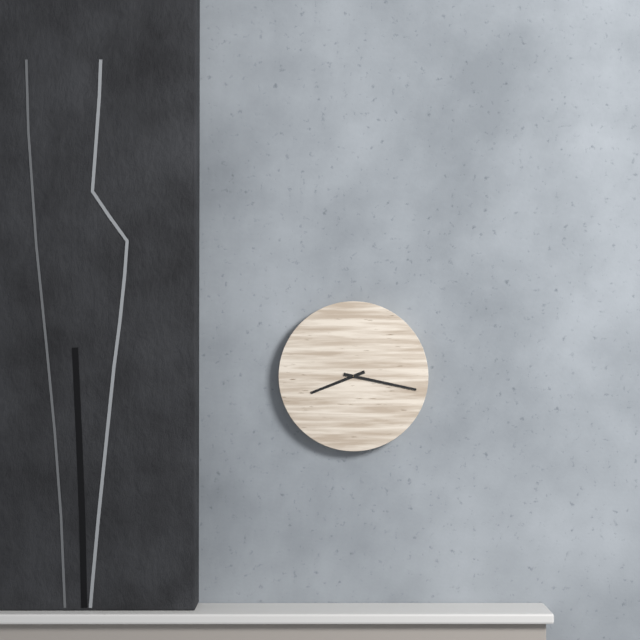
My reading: 8:17
